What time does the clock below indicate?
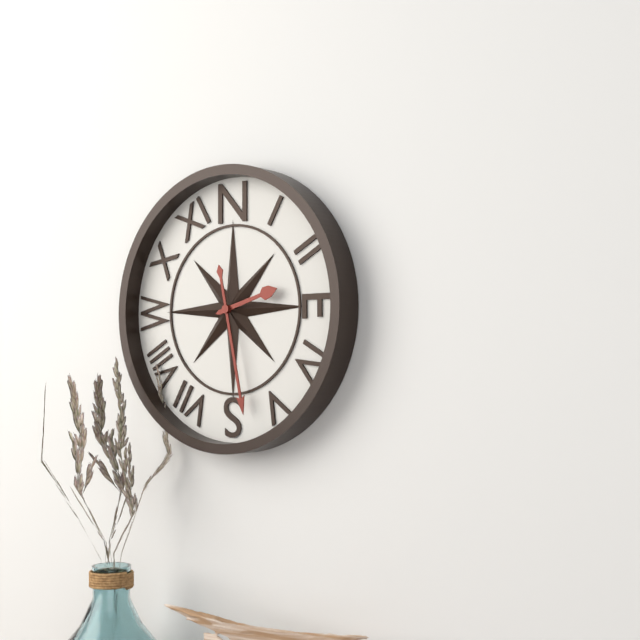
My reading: 2:28
